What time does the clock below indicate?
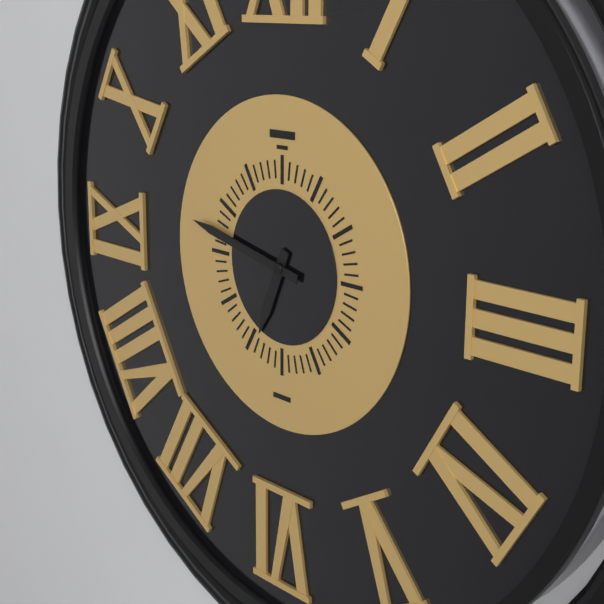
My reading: 6:47
